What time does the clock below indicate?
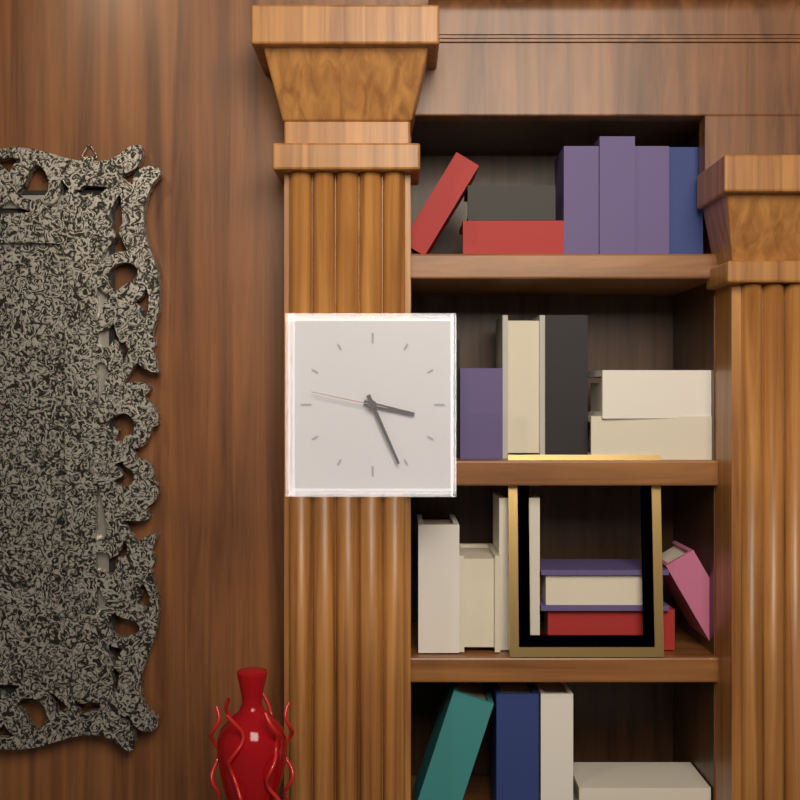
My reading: 3:26:47
